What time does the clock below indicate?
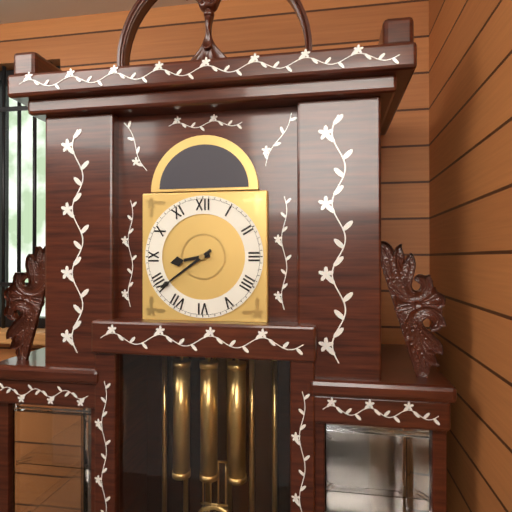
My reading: 8:39
